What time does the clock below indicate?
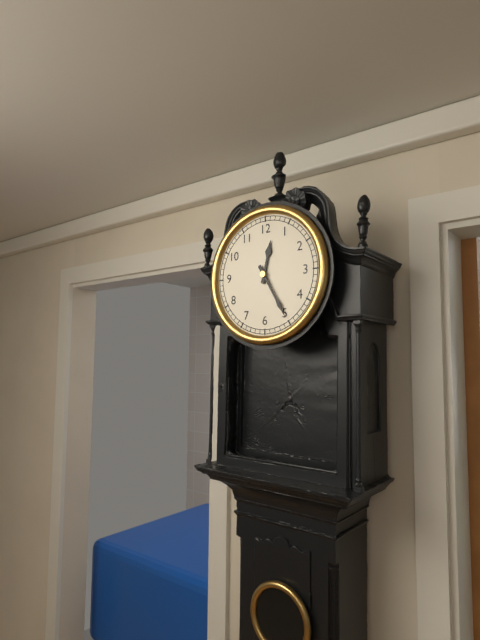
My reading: 12:25
